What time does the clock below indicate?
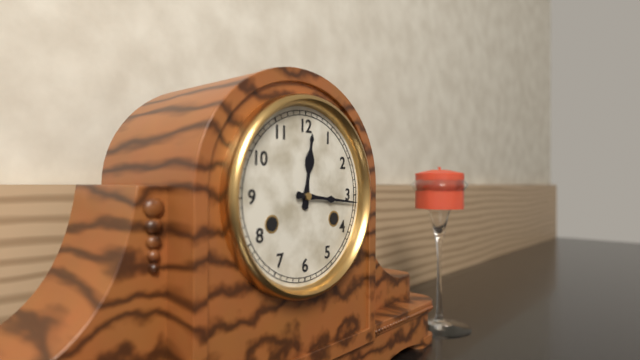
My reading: 12:16
